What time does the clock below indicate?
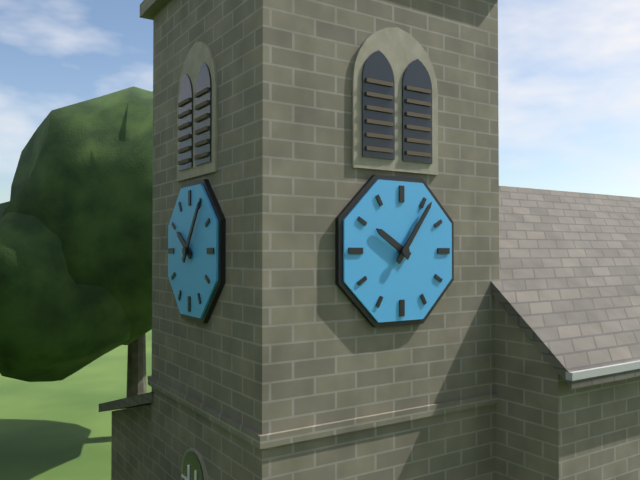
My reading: 10:06
